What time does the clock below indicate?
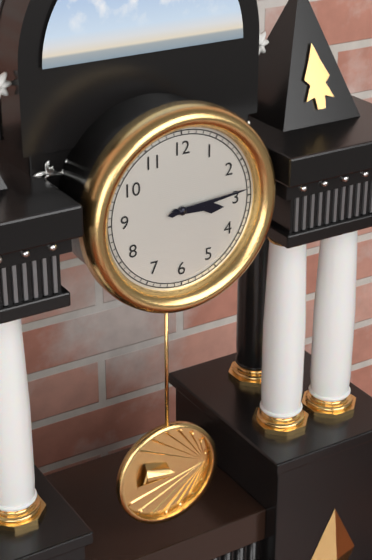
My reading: 3:14
